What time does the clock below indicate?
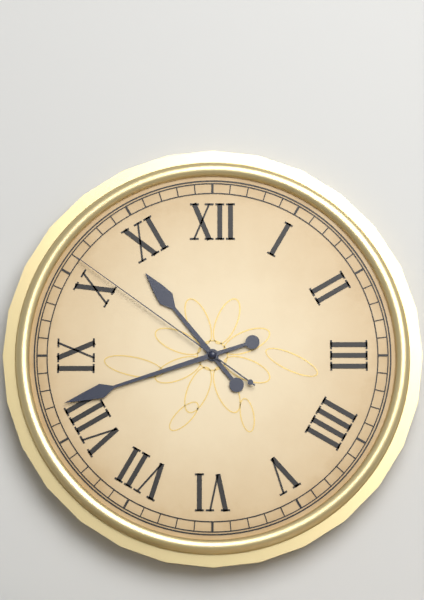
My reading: 10:42:51
